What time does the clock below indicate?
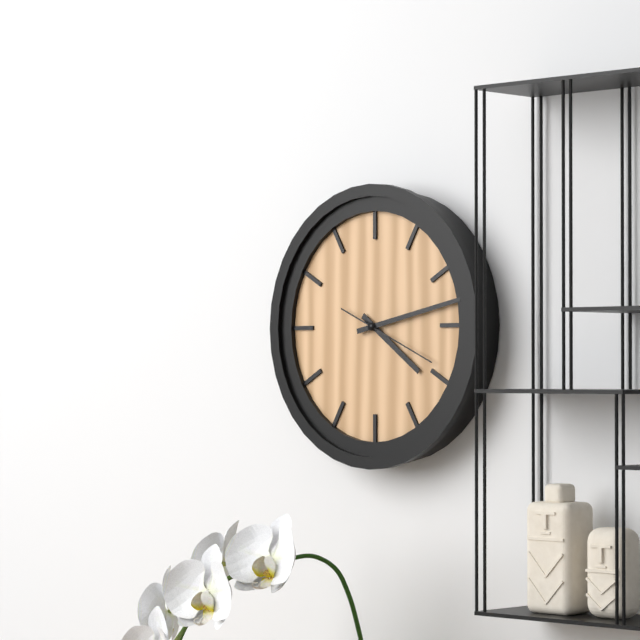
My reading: 4:13:19
